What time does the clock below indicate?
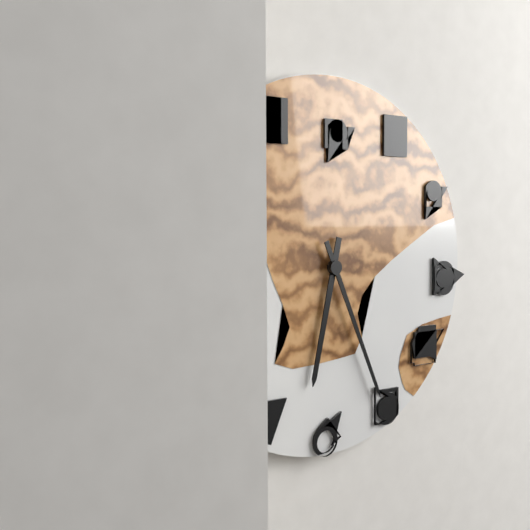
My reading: 6:26
